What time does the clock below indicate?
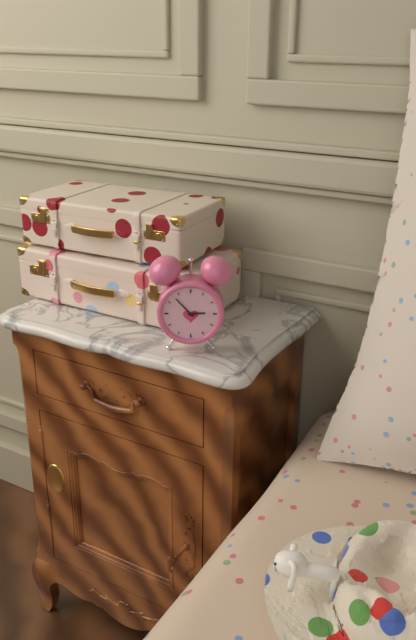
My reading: 2:53
